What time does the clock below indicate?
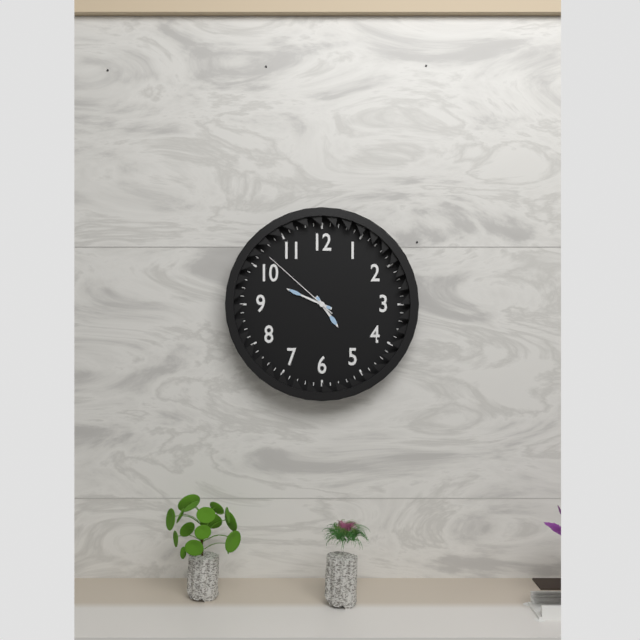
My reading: 4:49:52
